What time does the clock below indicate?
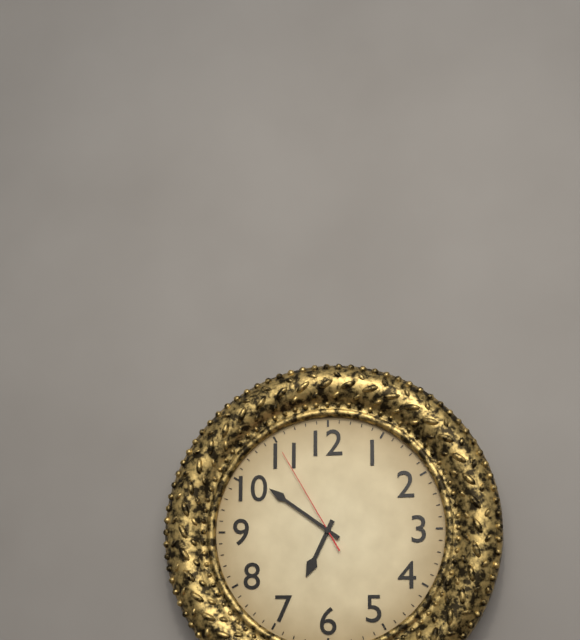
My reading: 6:51:55
